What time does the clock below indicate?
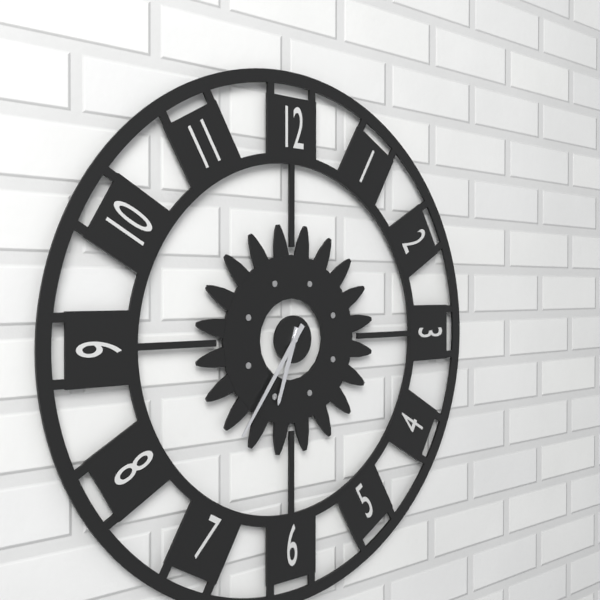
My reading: 6:36
